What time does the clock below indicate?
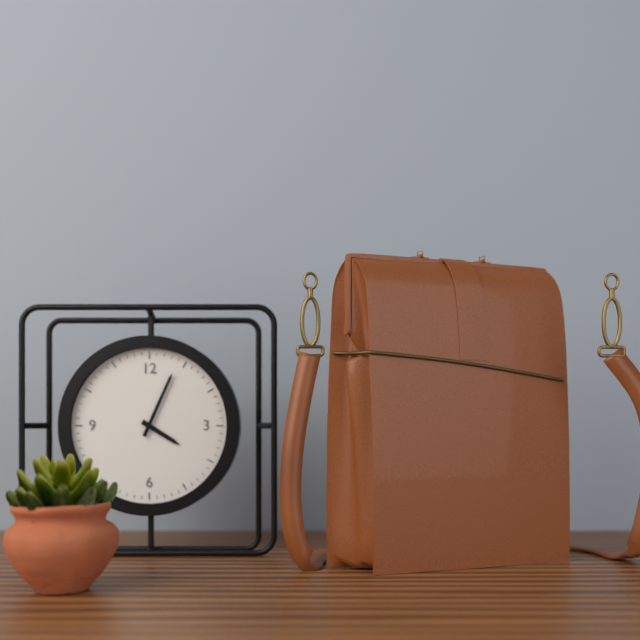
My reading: 4:04
